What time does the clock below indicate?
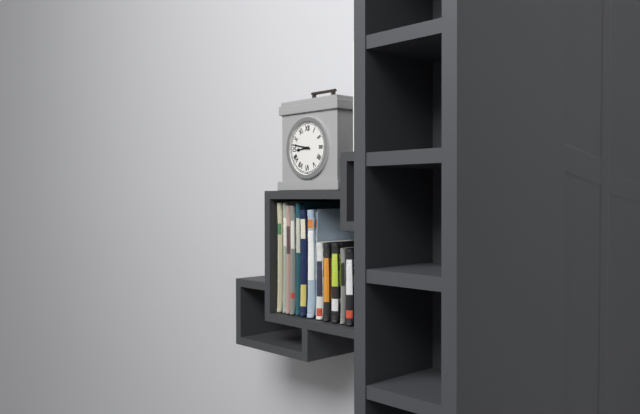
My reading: 8:47
